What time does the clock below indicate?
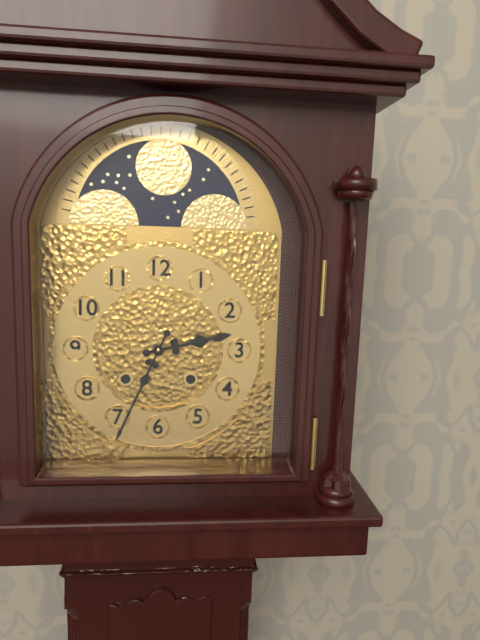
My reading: 2:34
